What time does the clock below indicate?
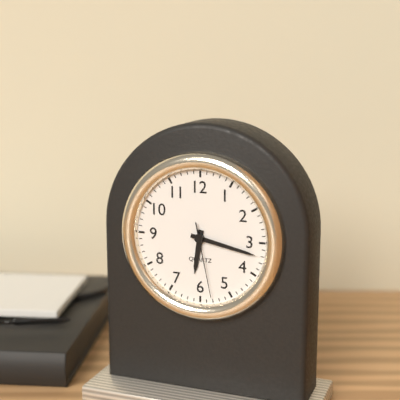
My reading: 6:17:28
